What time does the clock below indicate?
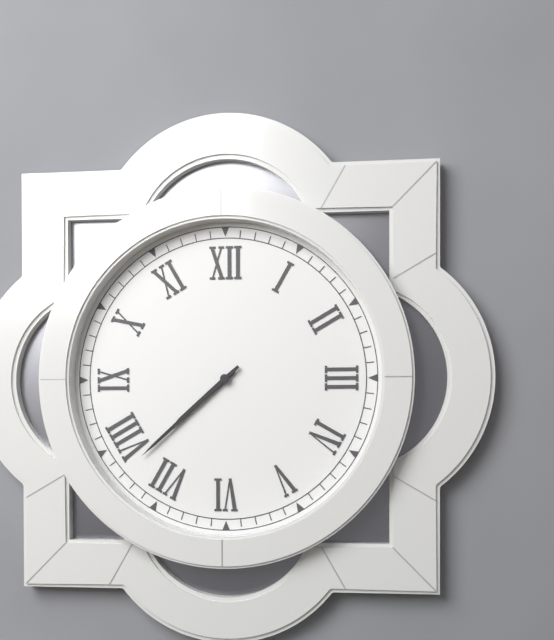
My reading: 7:38
